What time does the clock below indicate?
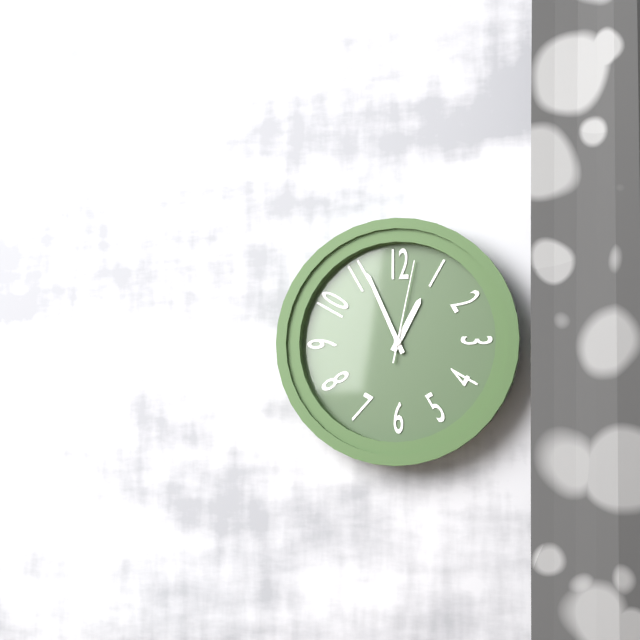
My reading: 12:56:02
